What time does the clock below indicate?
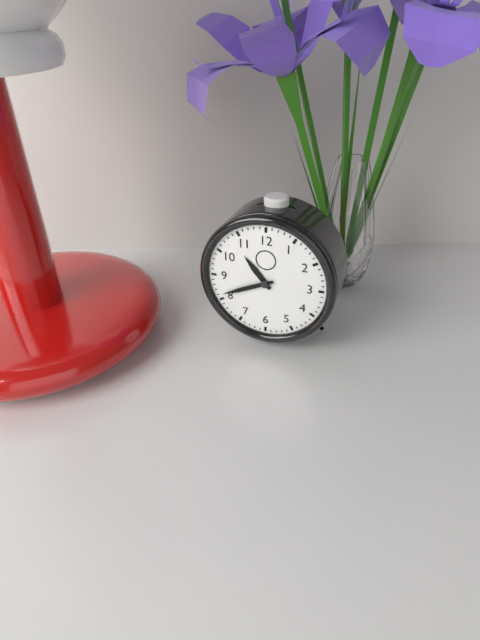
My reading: 10:41
